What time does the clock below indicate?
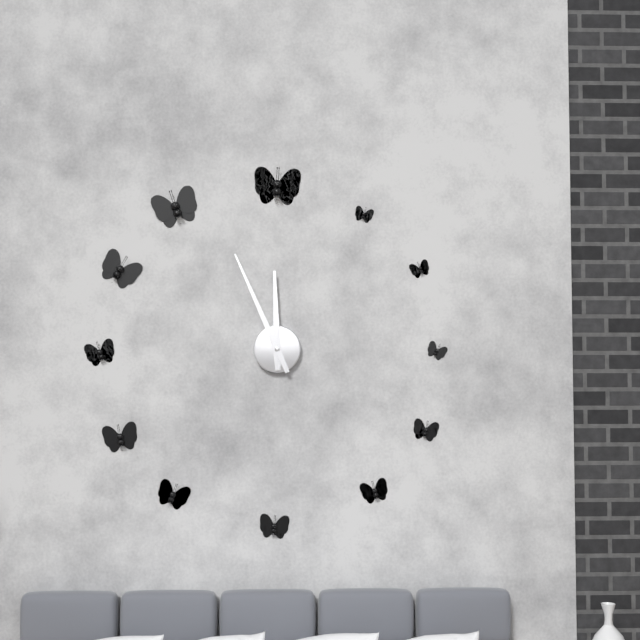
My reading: 11:56
